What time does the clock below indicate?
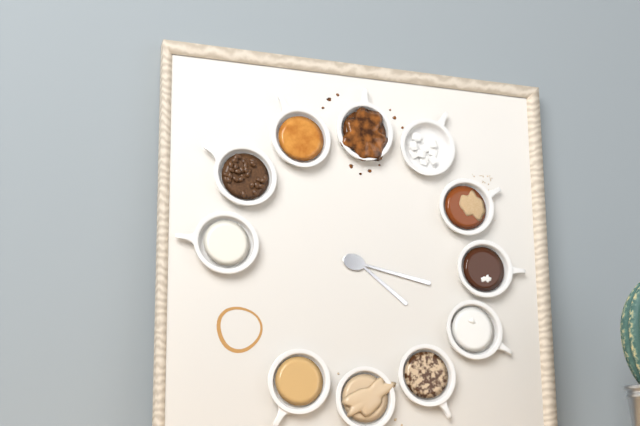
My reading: 4:17
